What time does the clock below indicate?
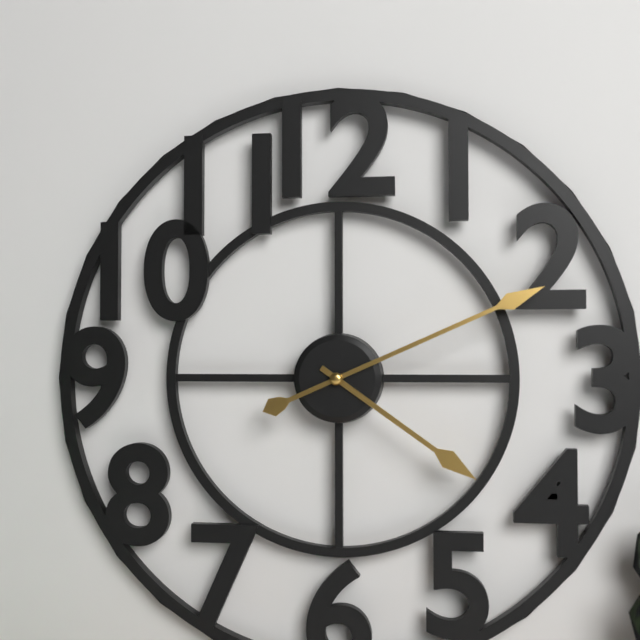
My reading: 4:11
